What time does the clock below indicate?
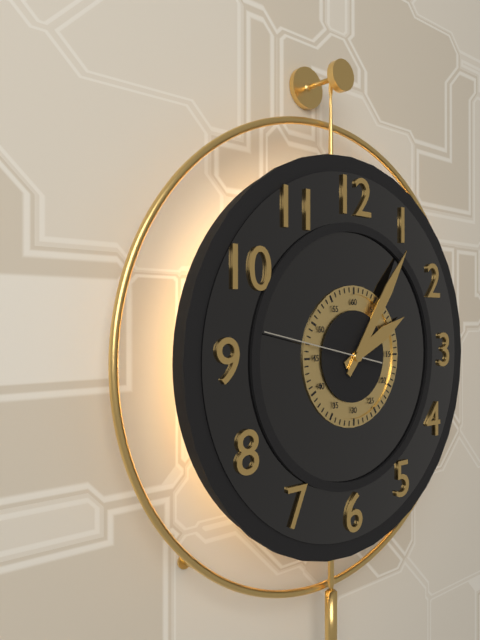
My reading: 2:06:47
